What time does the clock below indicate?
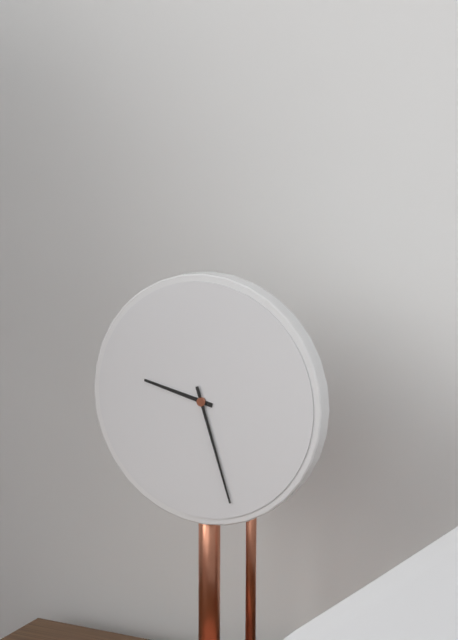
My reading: 9:27
